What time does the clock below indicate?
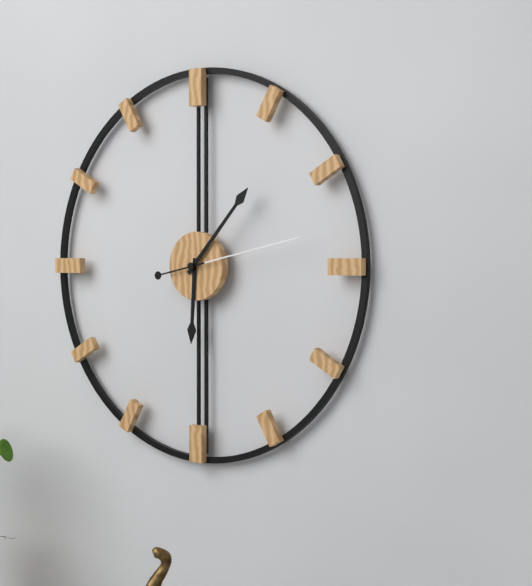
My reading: 6:07:13
